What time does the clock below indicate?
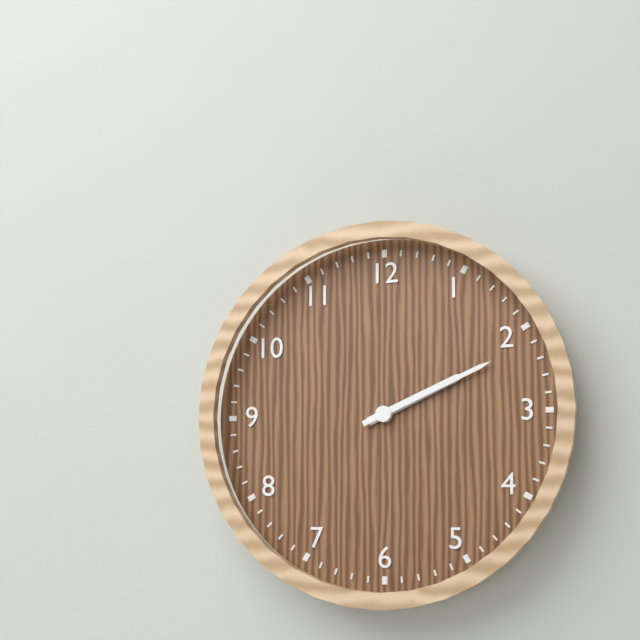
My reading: 2:11
